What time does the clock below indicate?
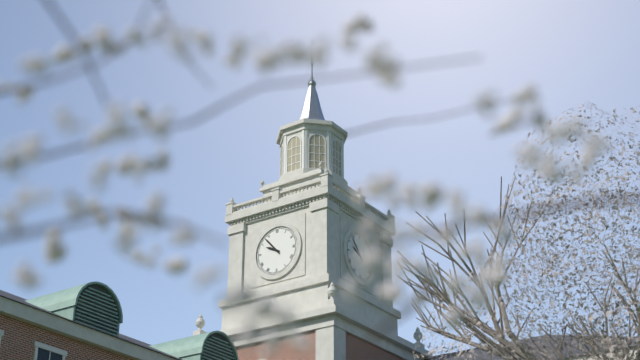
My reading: 9:53
